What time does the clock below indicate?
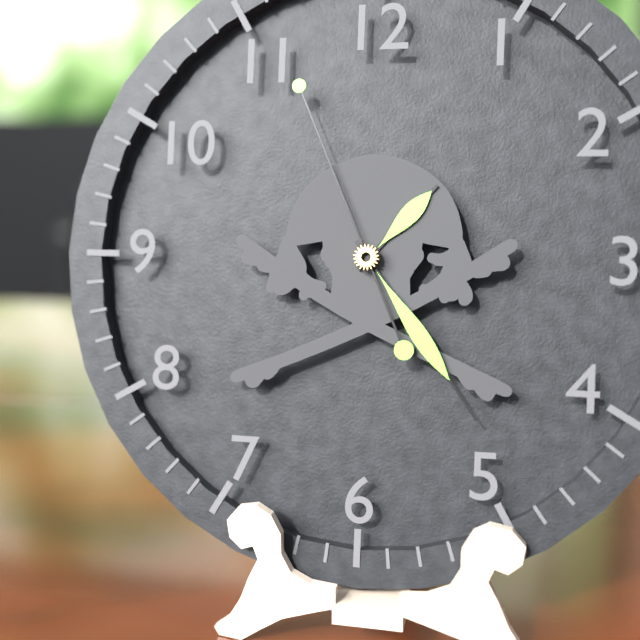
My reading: 1:24:56
